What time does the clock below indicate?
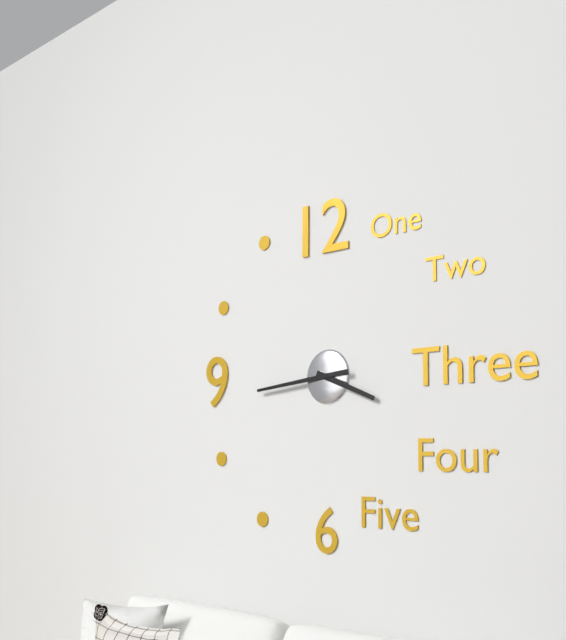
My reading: 3:44
